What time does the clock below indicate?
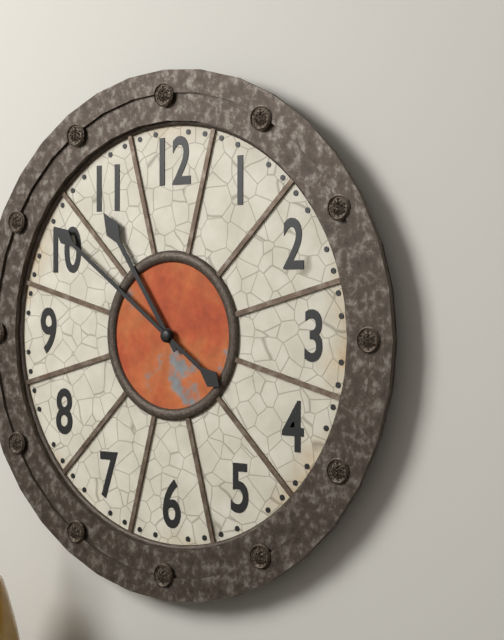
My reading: 10:51
